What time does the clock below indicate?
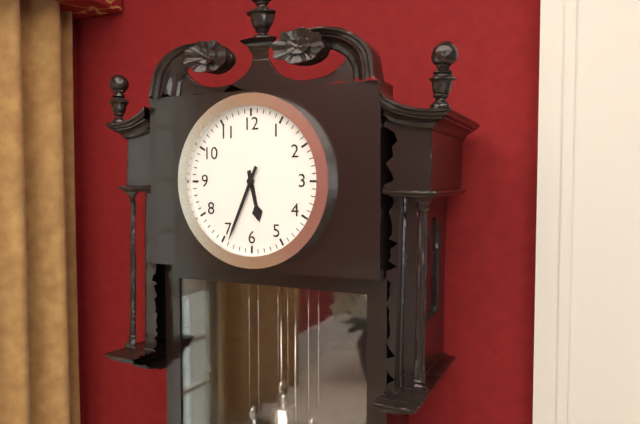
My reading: 5:34
